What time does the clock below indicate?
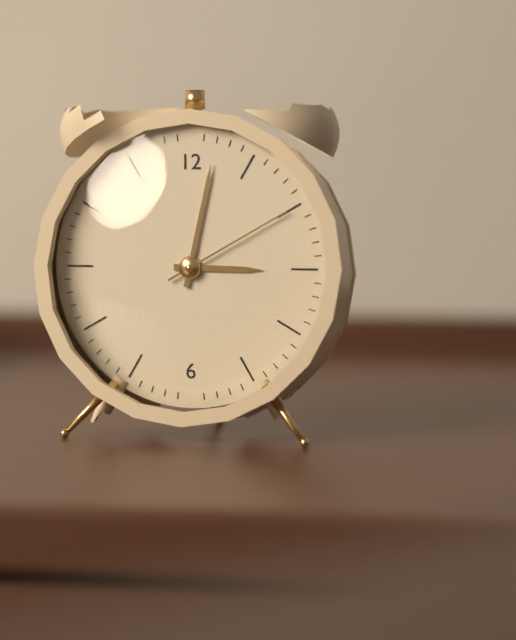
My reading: 3:02:10
